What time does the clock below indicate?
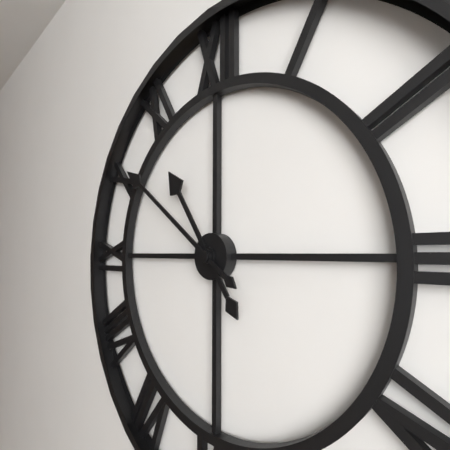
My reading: 10:51
